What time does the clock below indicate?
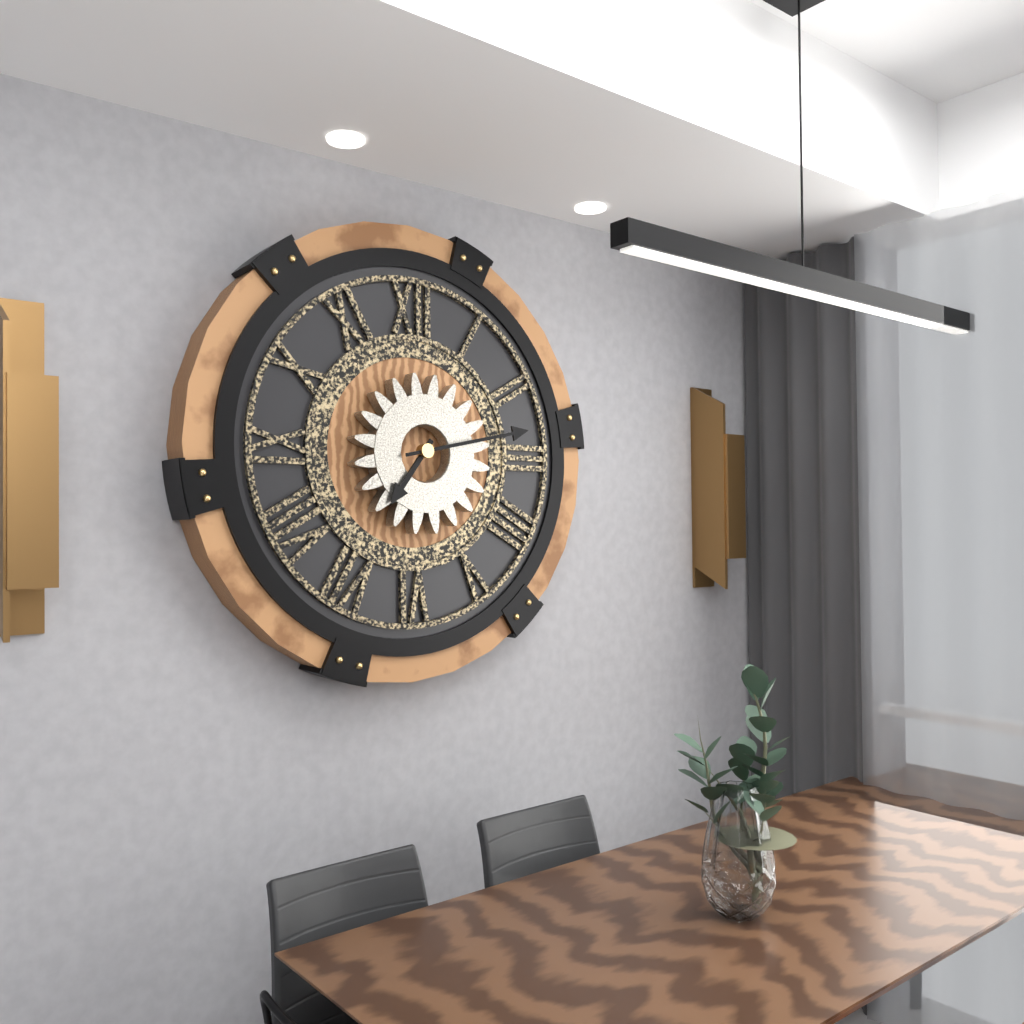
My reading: 7:13
